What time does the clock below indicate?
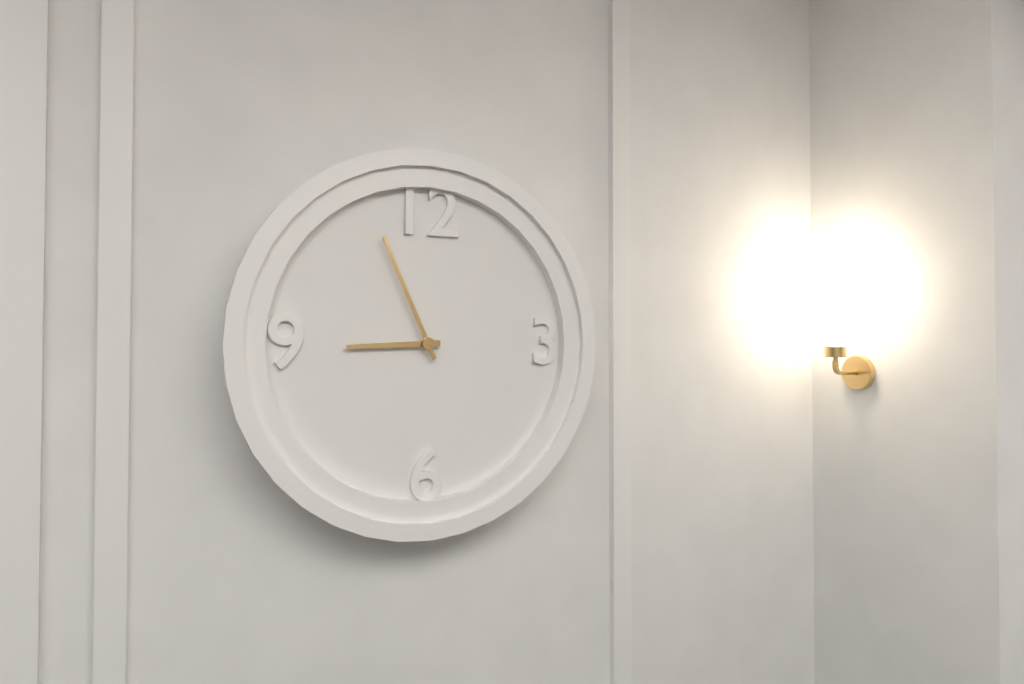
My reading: 8:56
